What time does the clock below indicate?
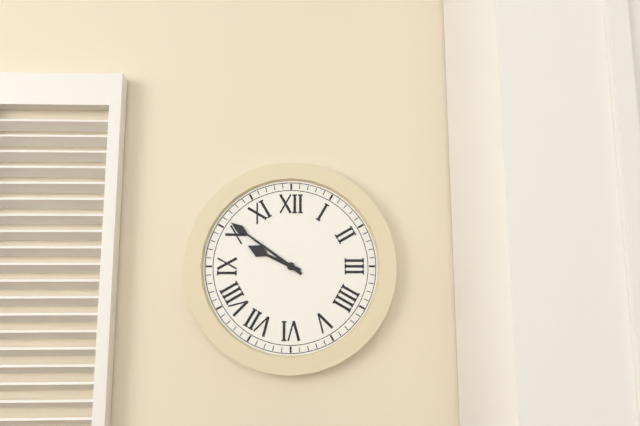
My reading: 9:51
